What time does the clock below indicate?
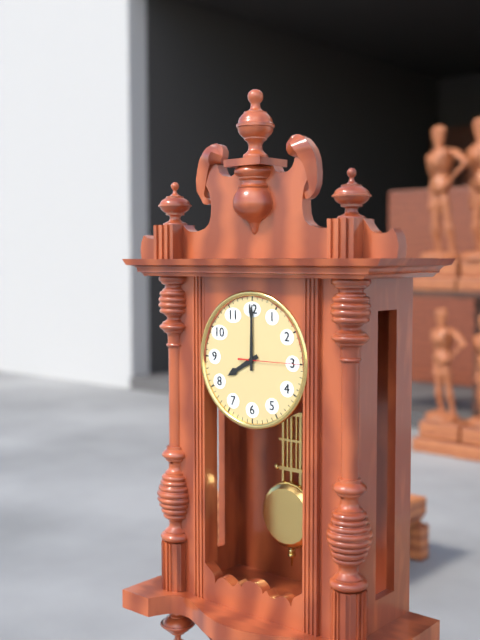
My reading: 8:00:15
